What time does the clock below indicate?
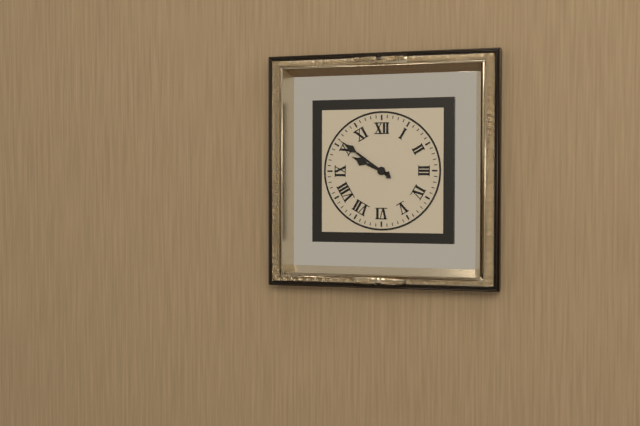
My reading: 9:51
